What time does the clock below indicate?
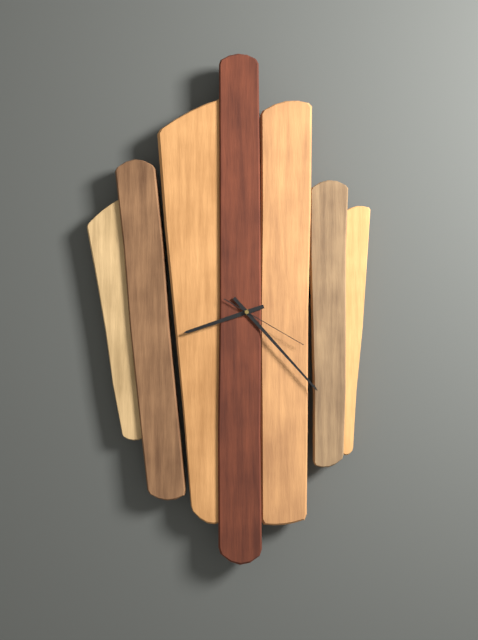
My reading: 8:23:20
